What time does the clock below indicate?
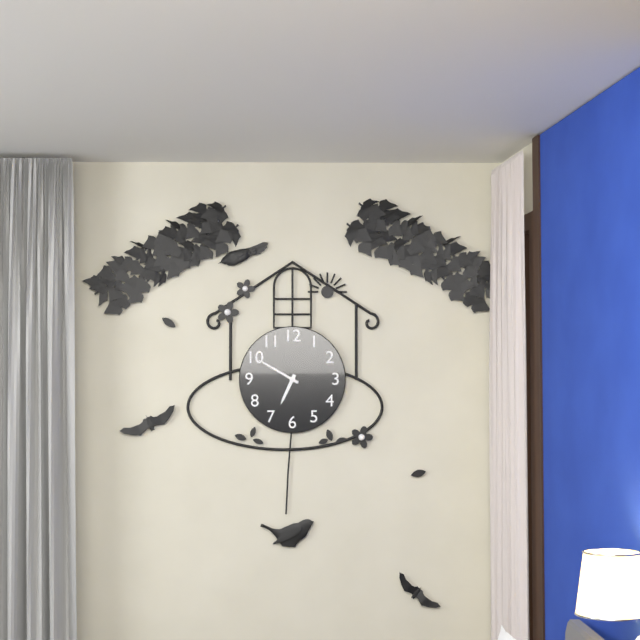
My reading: 6:50
